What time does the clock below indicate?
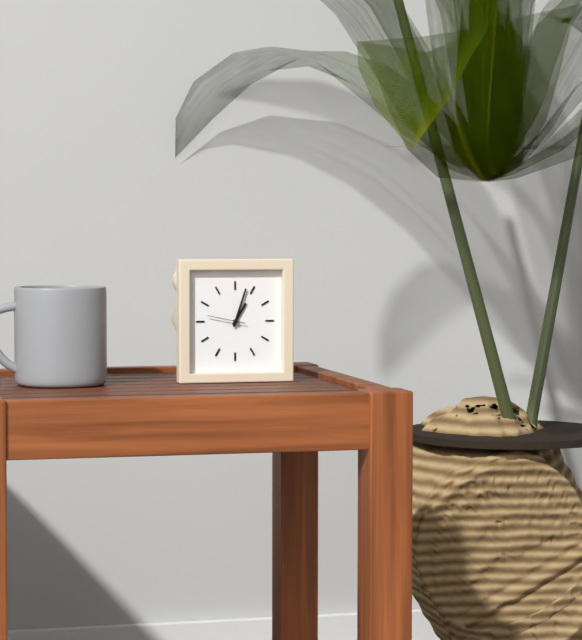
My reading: 1:03
